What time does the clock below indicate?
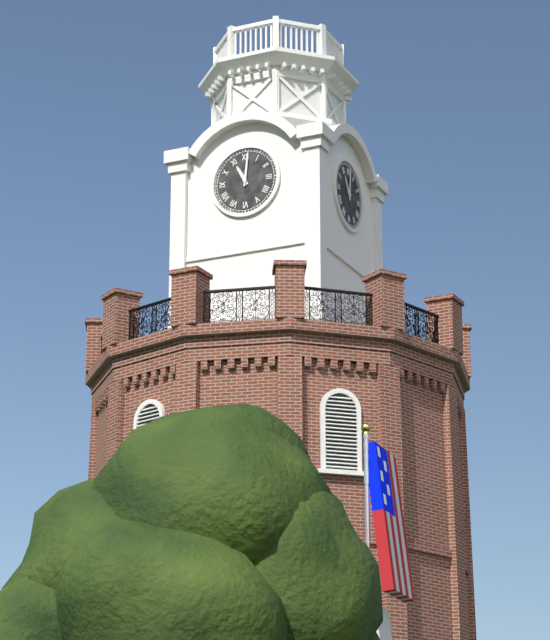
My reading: 11:01
